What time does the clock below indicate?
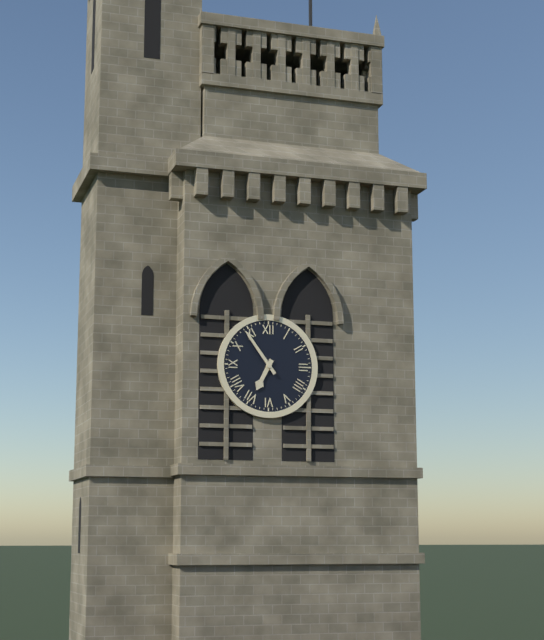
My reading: 6:54
